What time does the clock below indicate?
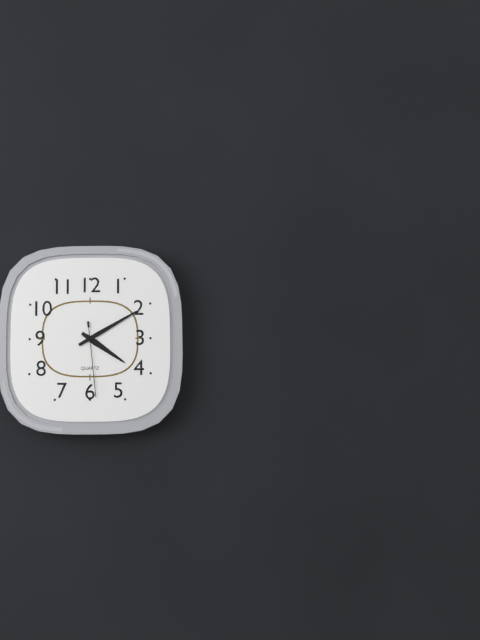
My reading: 4:10:29
